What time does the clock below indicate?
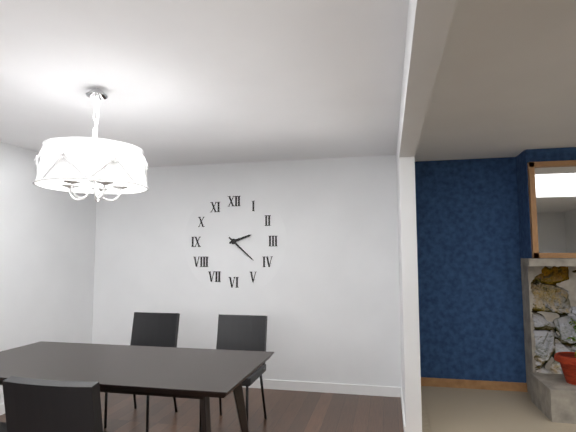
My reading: 2:22
